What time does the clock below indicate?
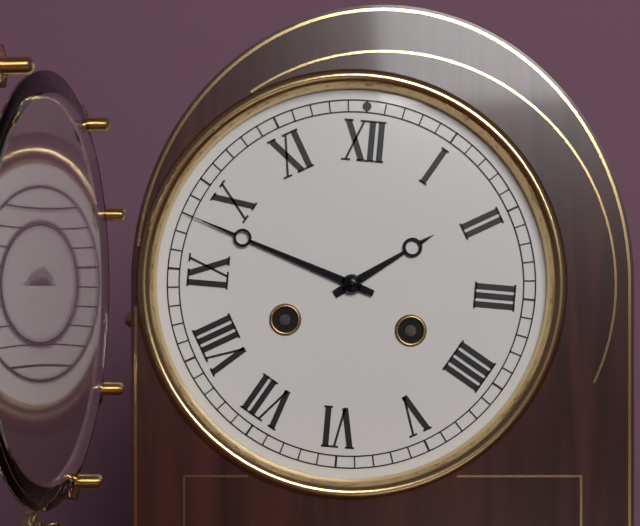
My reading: 1:48
